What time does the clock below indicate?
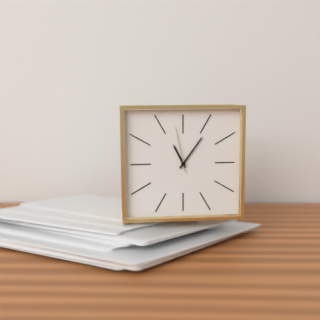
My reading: 11:06
